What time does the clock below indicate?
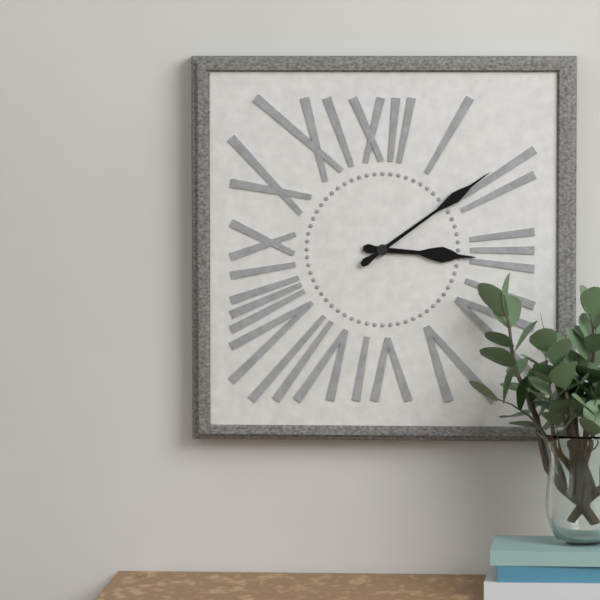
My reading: 3:09
